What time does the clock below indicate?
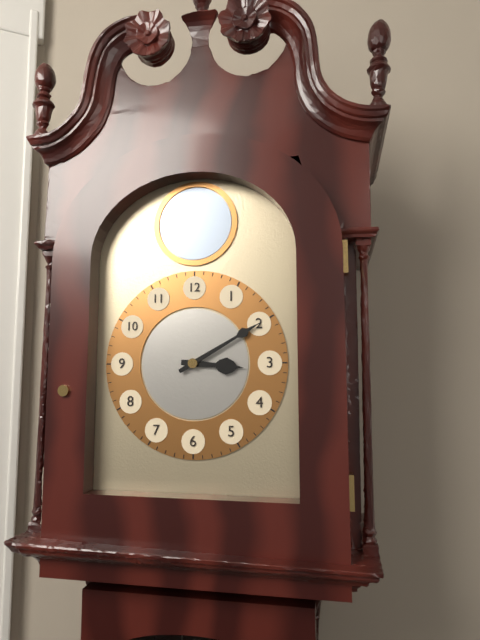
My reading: 3:10
